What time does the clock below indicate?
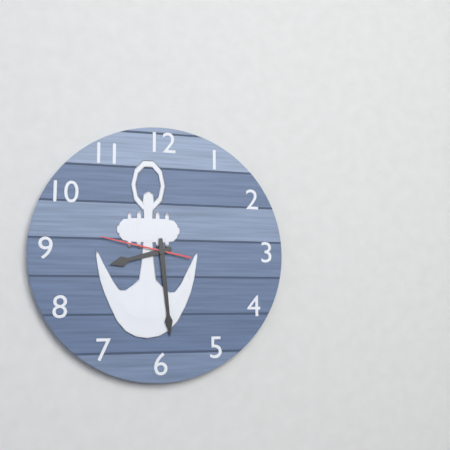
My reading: 8:29:47
